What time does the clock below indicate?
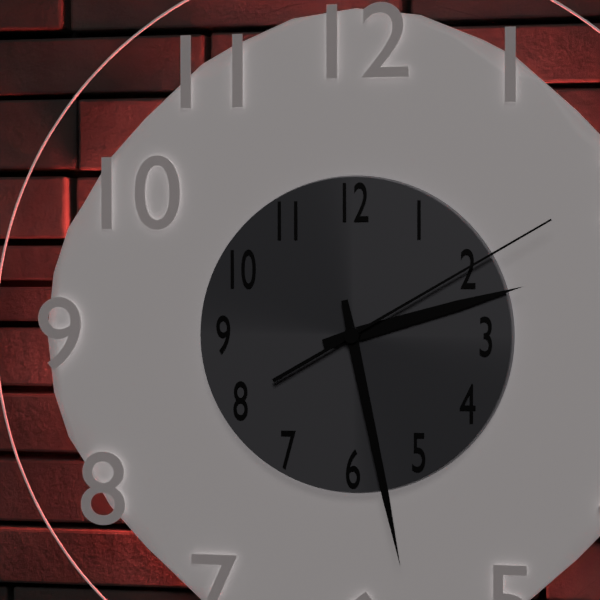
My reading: 2:28:10
